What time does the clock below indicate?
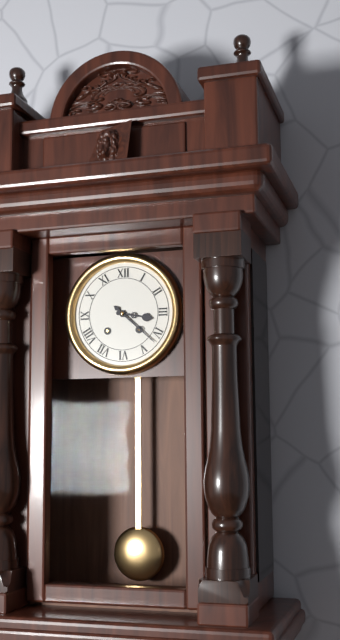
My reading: 3:22
